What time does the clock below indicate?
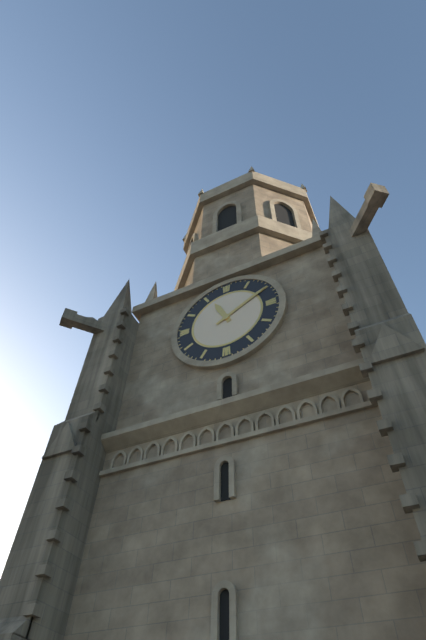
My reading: 11:10
